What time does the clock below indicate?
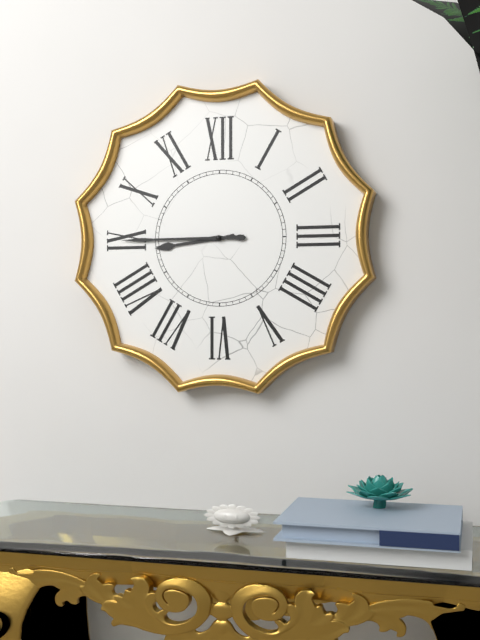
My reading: 8:45
